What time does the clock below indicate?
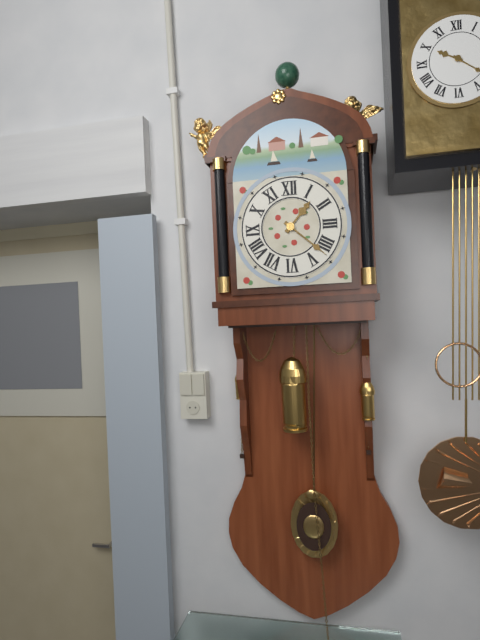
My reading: 1:22
